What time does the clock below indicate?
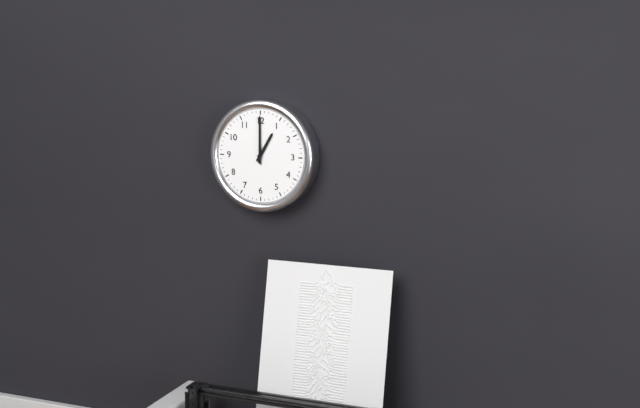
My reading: 1:00
